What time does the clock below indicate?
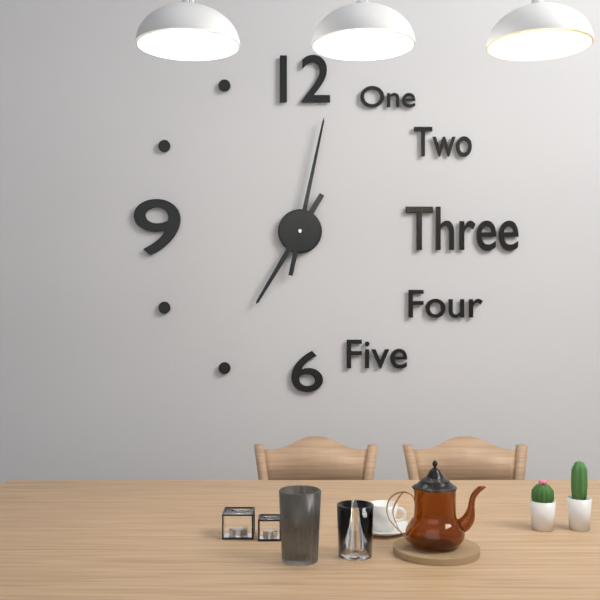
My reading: 7:02
